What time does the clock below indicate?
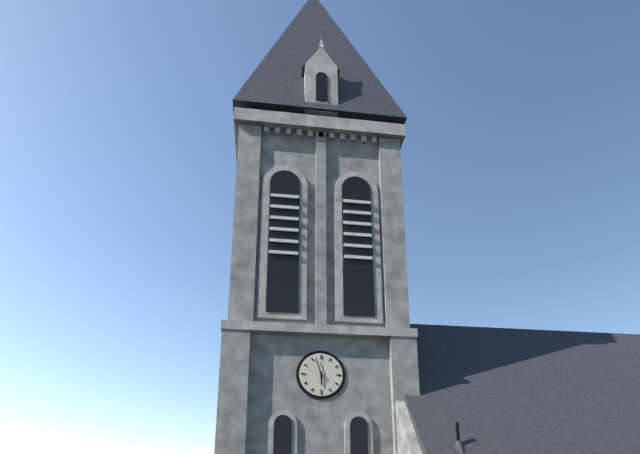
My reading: 5:57
